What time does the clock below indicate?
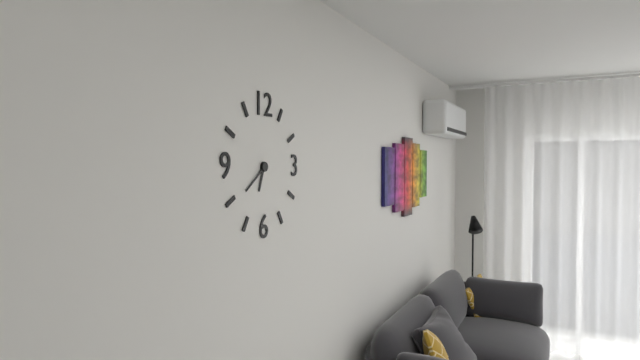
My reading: 6:39
